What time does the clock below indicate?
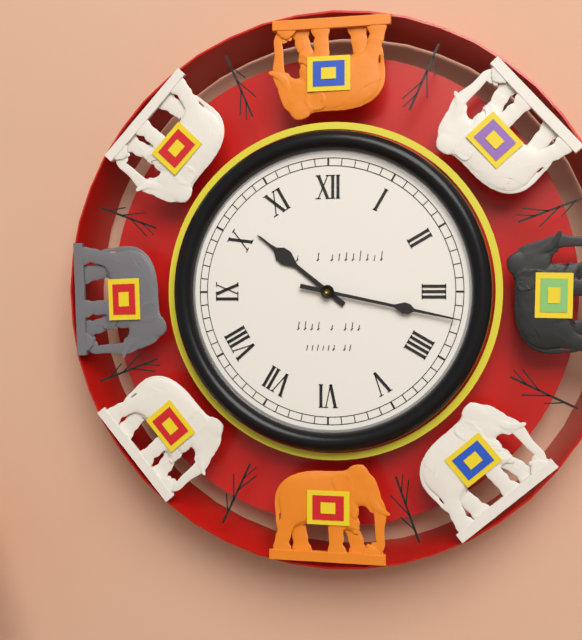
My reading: 10:17
